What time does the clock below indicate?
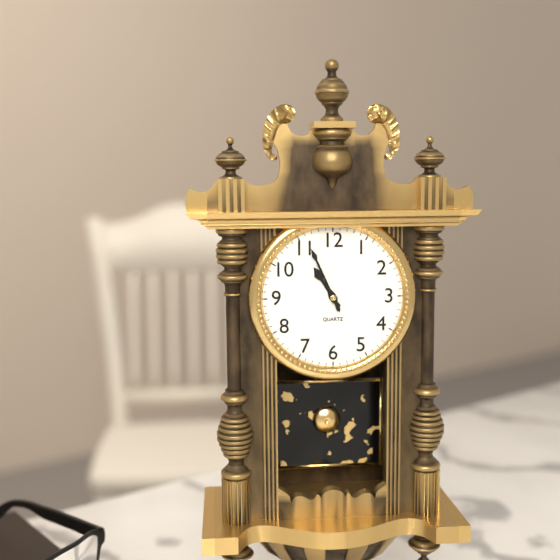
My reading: 10:56
